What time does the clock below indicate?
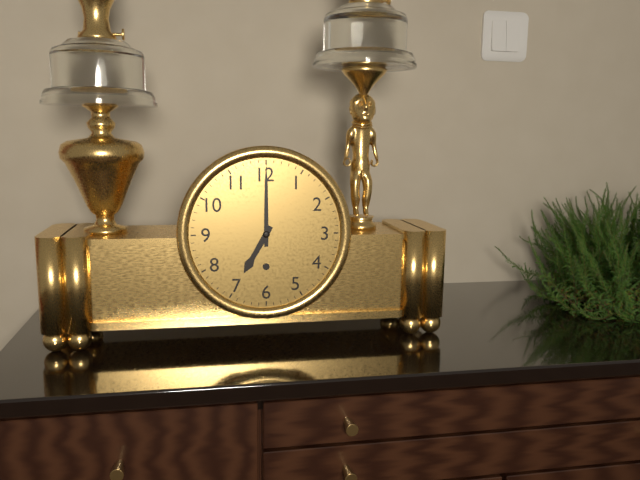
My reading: 7:00
